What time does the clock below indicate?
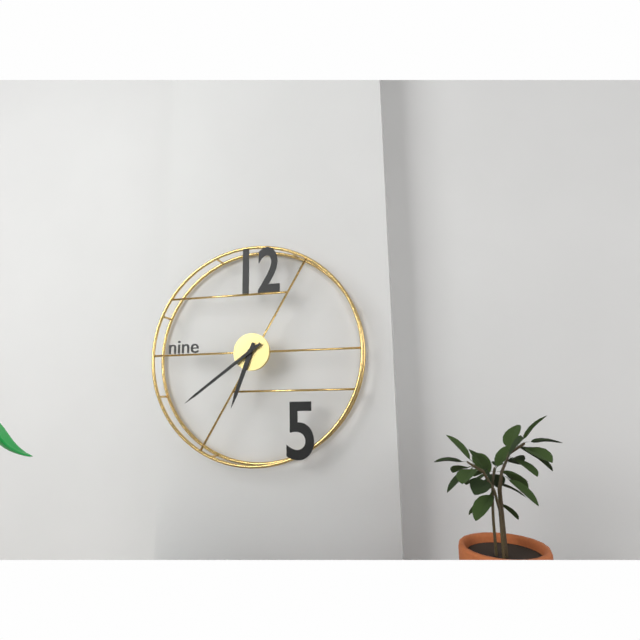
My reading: 6:39
